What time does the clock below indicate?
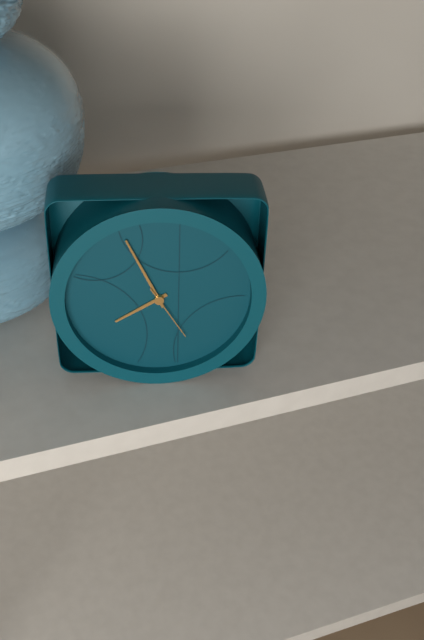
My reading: 7:56:25
